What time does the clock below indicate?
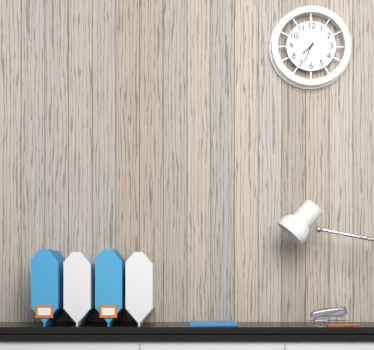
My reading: 7:34
